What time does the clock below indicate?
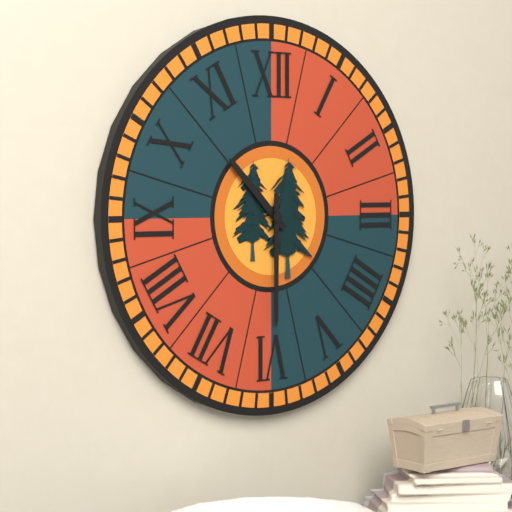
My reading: 10:30
